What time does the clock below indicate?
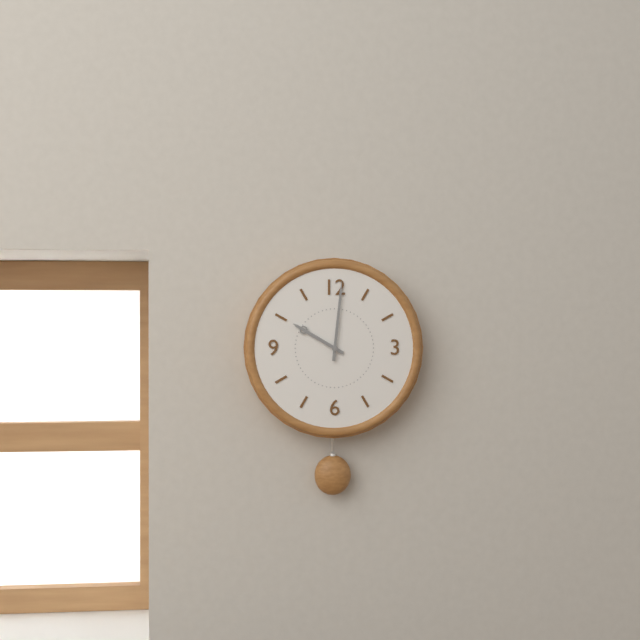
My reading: 10:01
